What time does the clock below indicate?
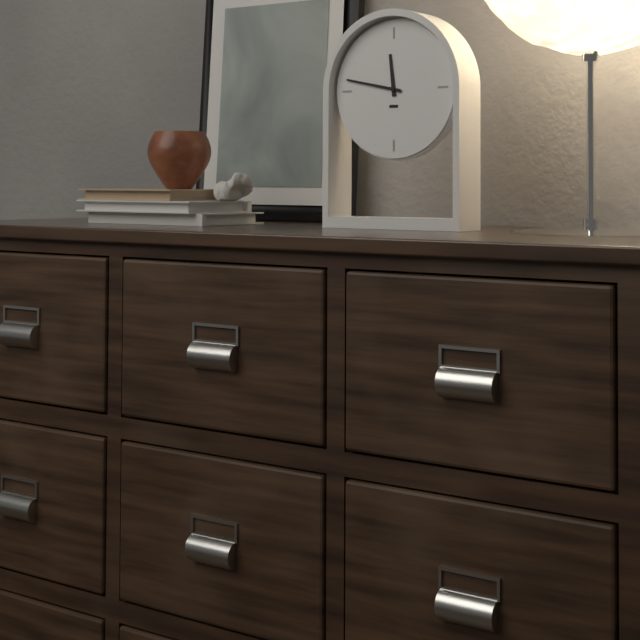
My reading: 11:47
